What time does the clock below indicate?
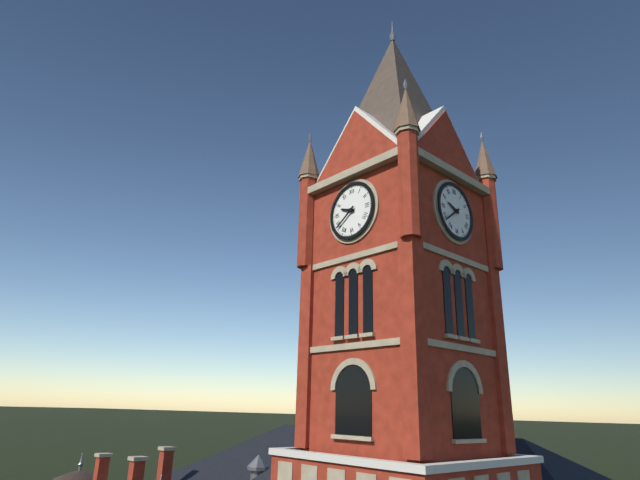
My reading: 9:39
